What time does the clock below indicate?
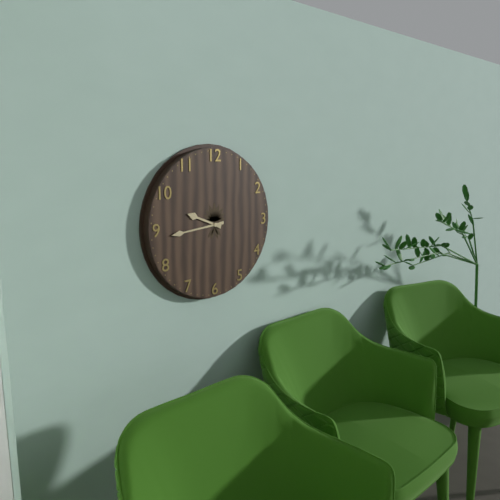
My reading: 9:44
